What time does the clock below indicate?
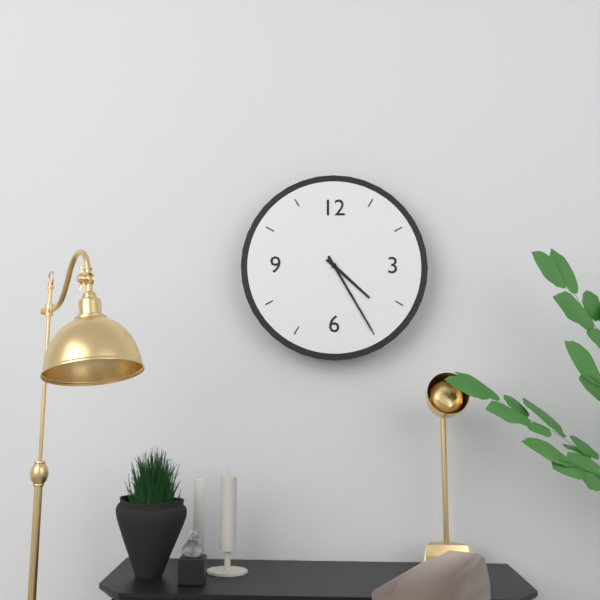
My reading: 4:25
